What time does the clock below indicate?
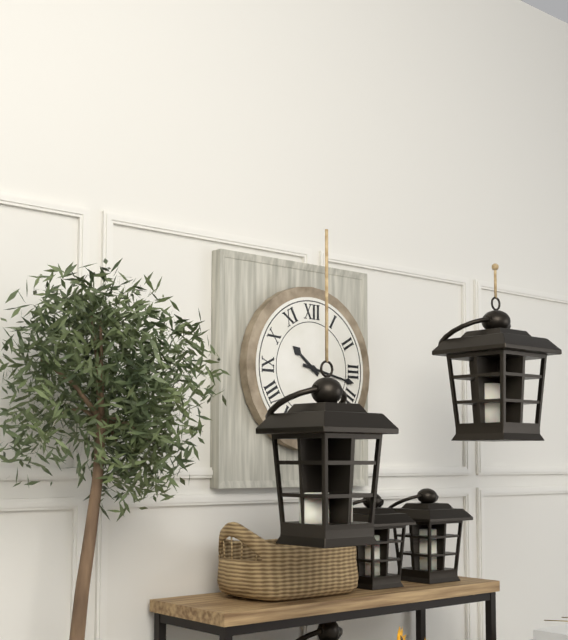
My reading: 10:17
